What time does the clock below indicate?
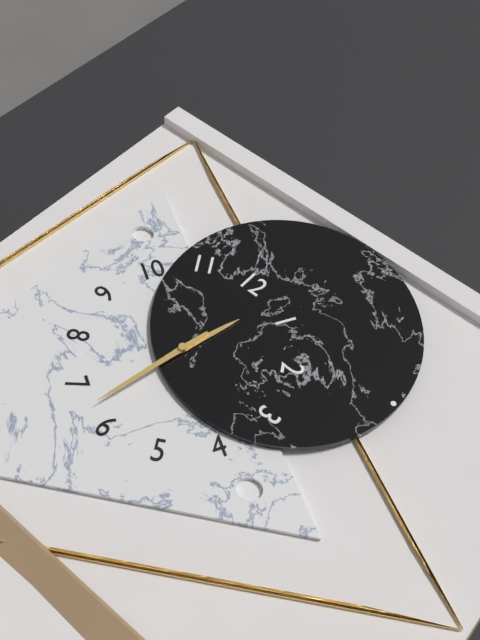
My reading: 12:32
